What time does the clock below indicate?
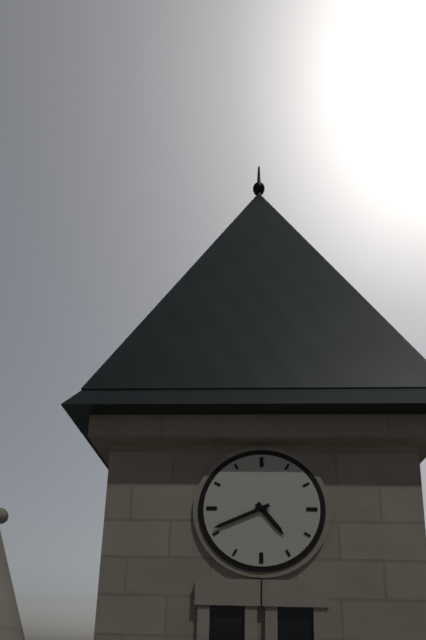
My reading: 4:41
